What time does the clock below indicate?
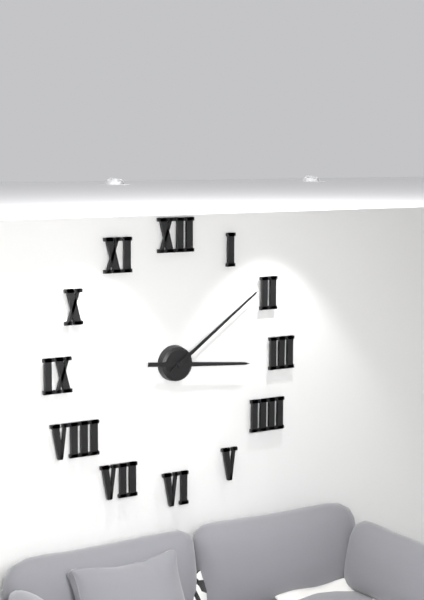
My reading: 3:09
